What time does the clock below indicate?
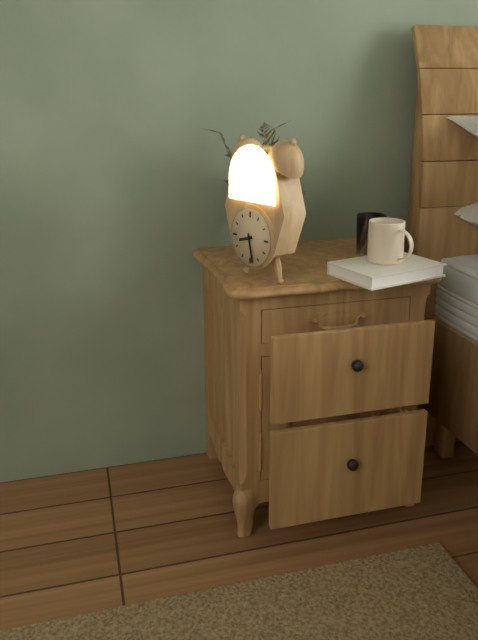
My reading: 8:28
